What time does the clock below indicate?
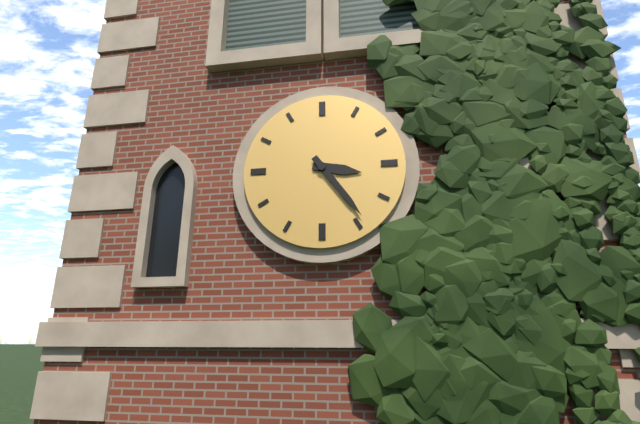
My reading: 3:24
